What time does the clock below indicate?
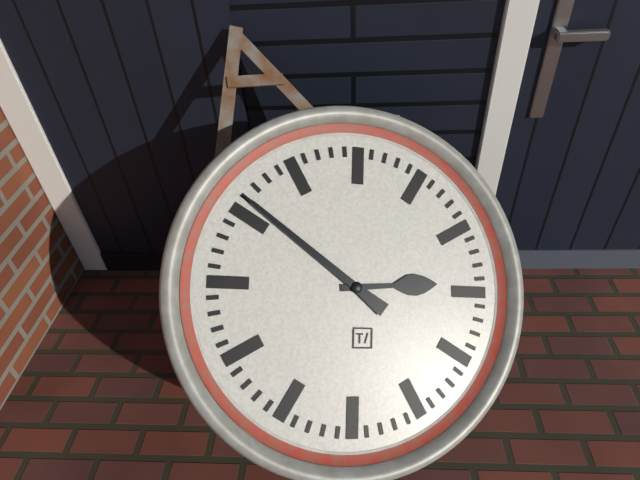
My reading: 2:51
